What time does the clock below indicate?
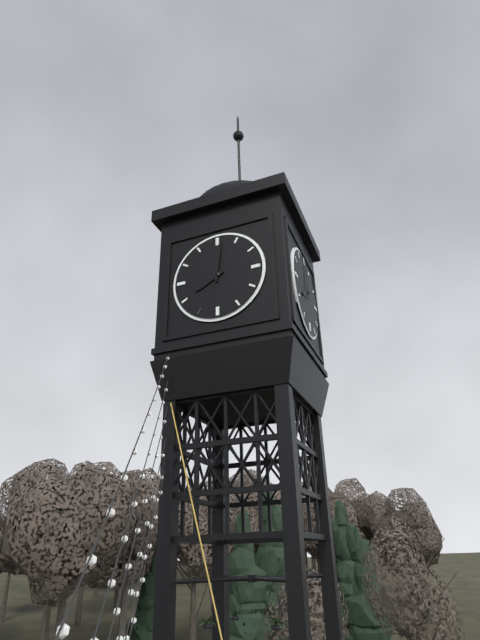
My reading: 8:01
